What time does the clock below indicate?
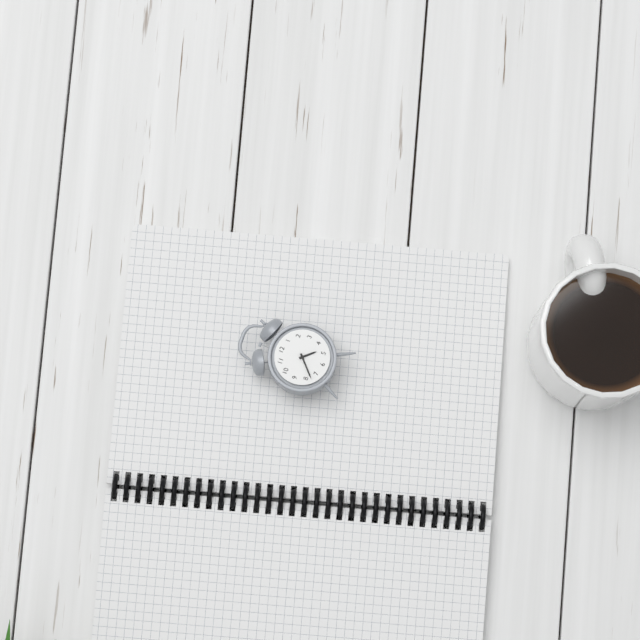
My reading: 4:38
